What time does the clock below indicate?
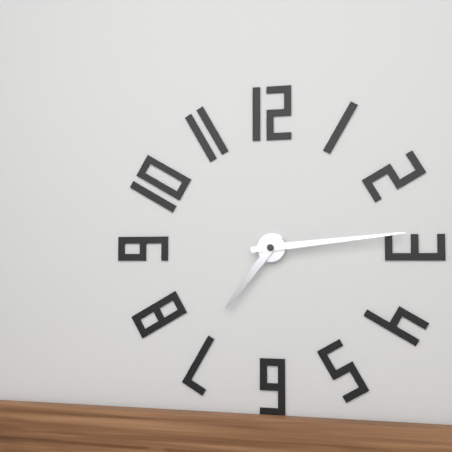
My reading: 7:14
